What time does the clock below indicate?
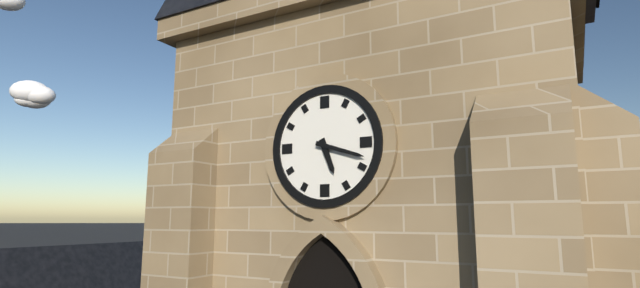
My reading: 5:18
